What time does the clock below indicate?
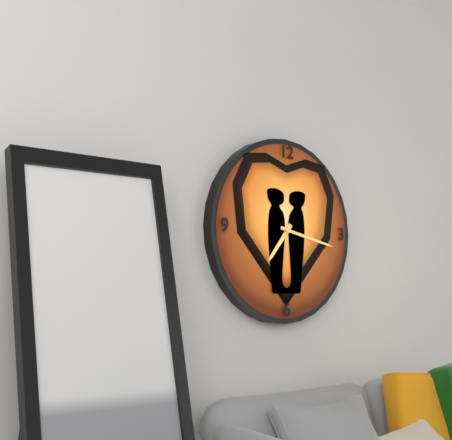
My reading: 7:17
